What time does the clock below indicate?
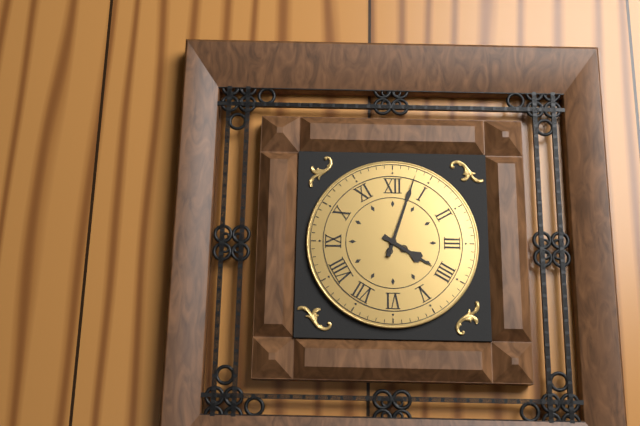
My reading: 4:03
